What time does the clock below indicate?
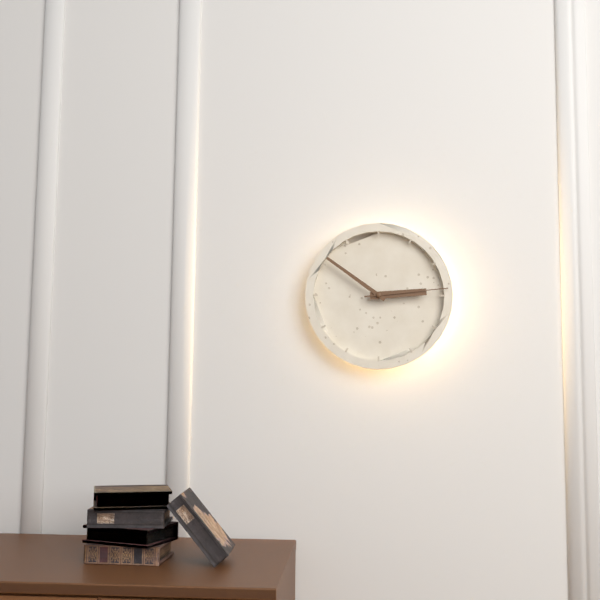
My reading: 2:51:14
